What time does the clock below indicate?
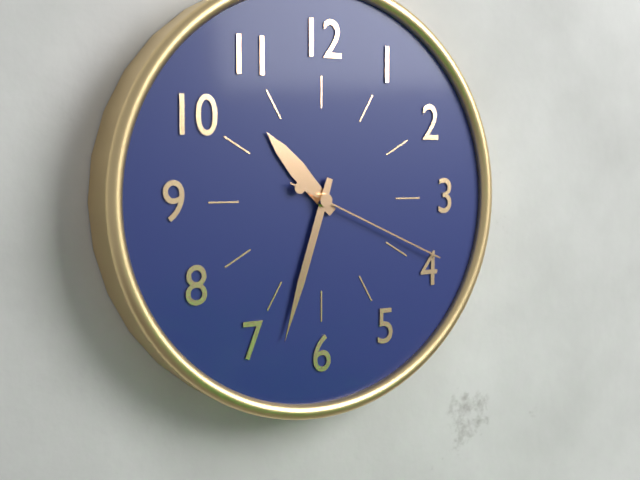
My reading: 10:33:19
